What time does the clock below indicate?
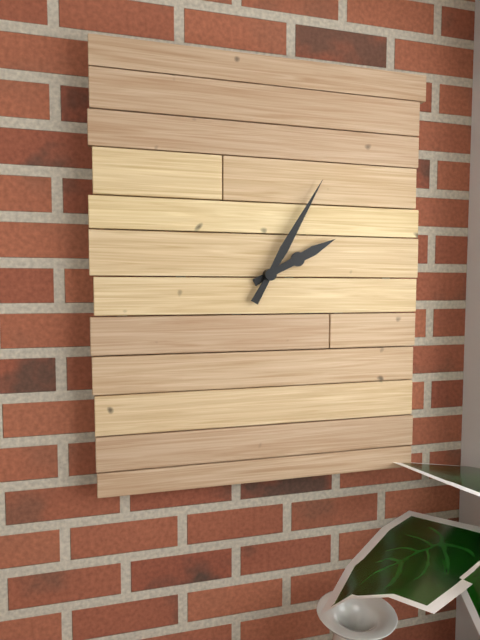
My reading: 2:05
